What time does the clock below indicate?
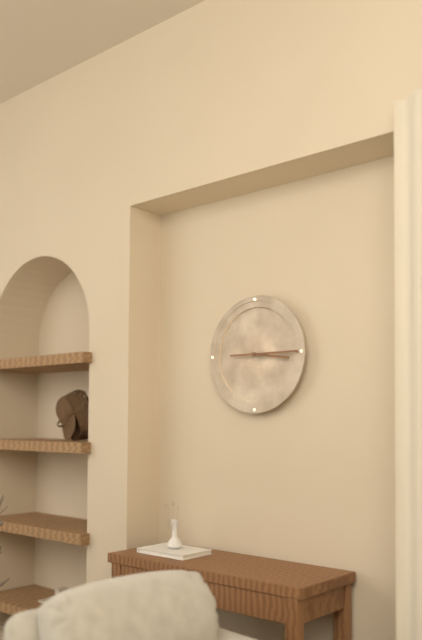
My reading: 3:15
